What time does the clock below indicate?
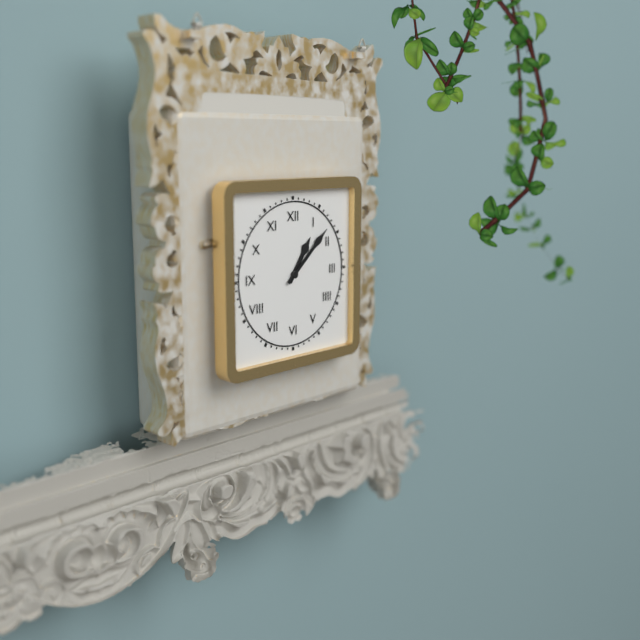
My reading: 1:08
